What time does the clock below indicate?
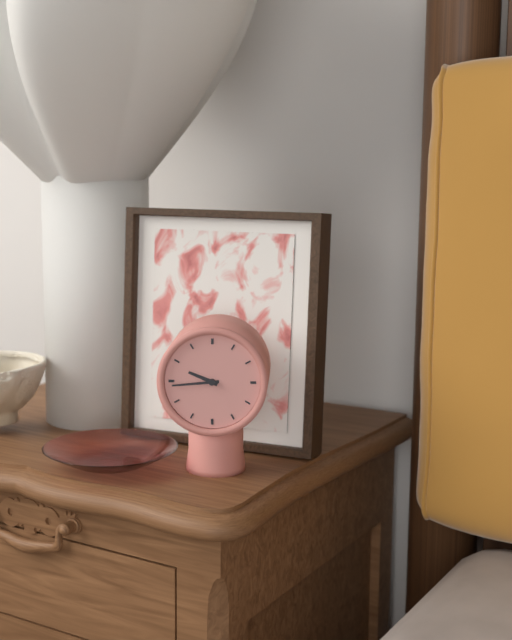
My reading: 9:44
